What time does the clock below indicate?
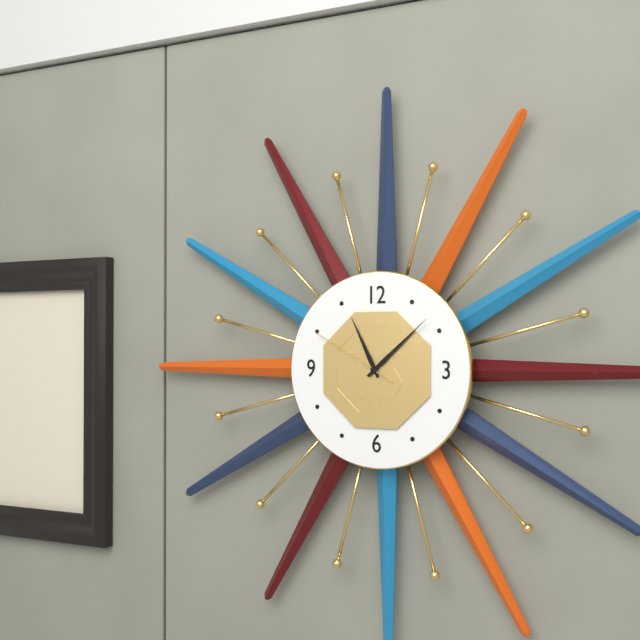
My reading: 11:08:50
